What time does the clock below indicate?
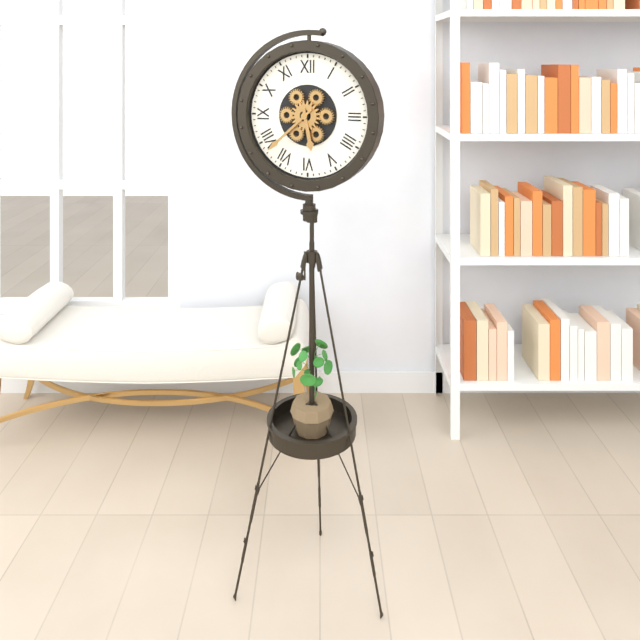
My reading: 5:38
